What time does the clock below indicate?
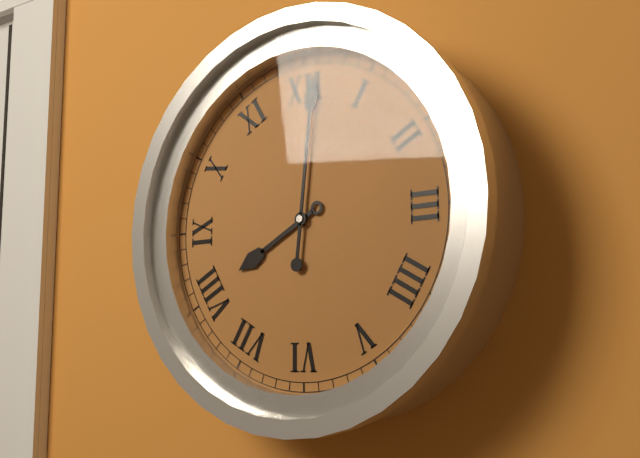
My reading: 8:01
